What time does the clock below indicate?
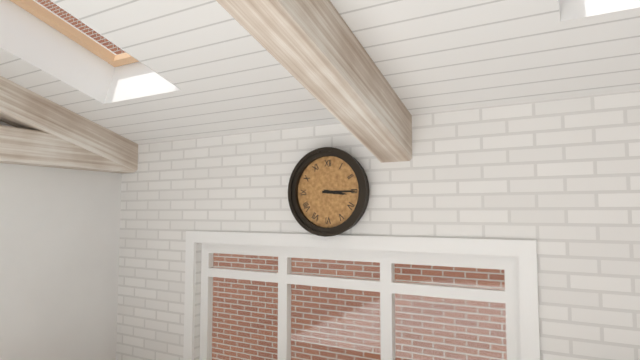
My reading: 3:15
